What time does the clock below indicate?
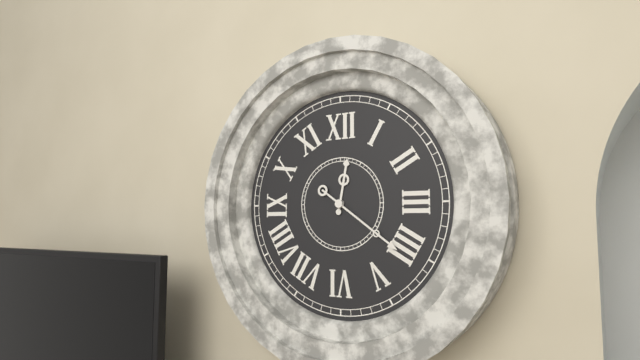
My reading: 12:21
